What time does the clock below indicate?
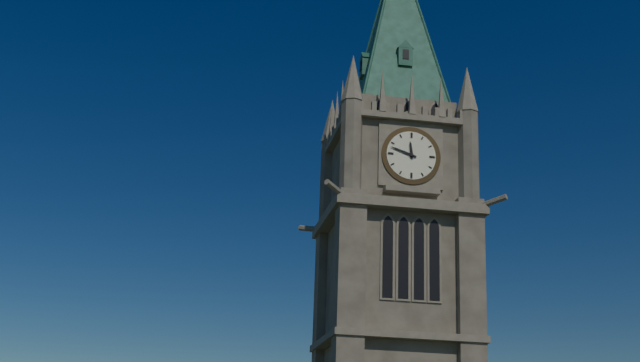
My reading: 11:48
